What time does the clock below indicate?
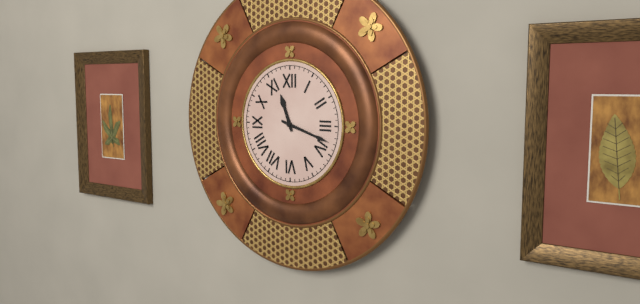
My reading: 11:18
